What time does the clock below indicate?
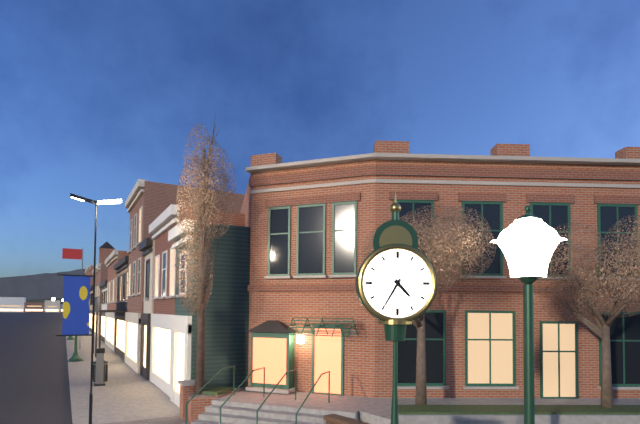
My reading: 4:35
